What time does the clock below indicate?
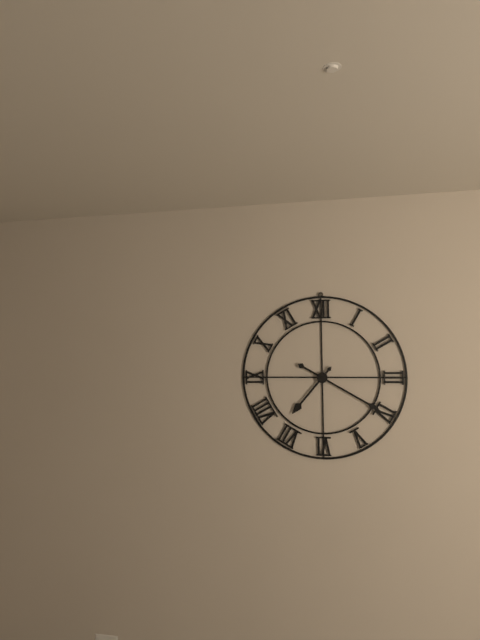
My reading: 7:20
